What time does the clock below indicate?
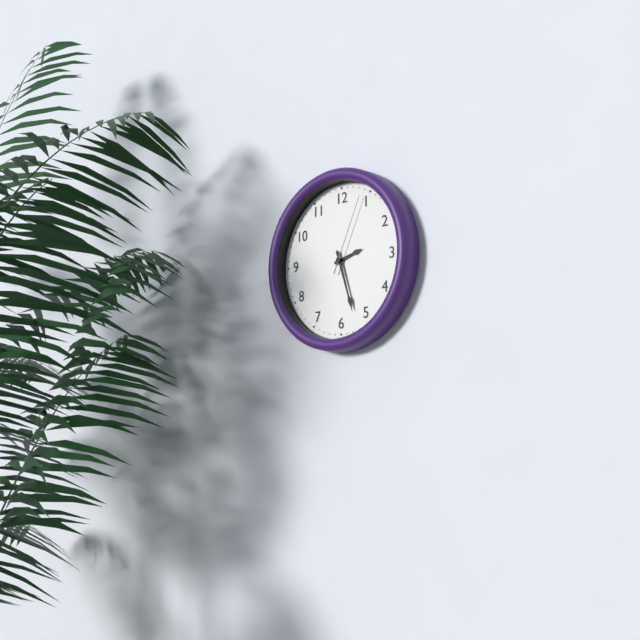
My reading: 2:27:04
